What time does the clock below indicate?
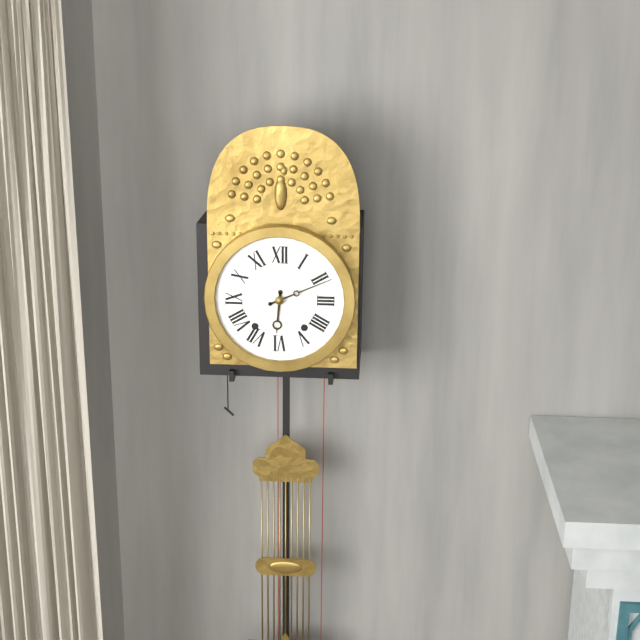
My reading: 6:11
